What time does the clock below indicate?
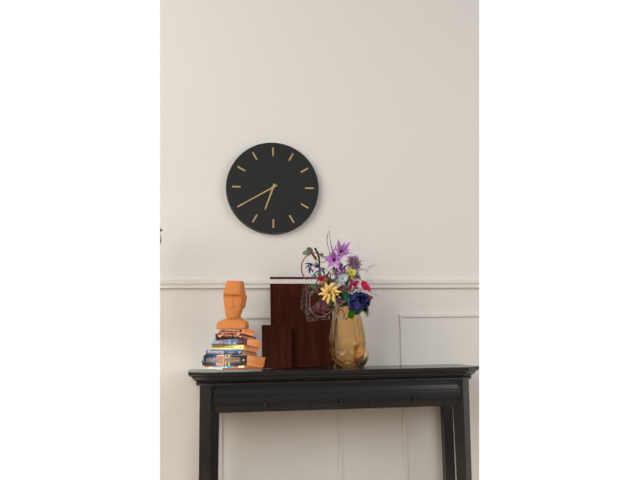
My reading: 6:40
